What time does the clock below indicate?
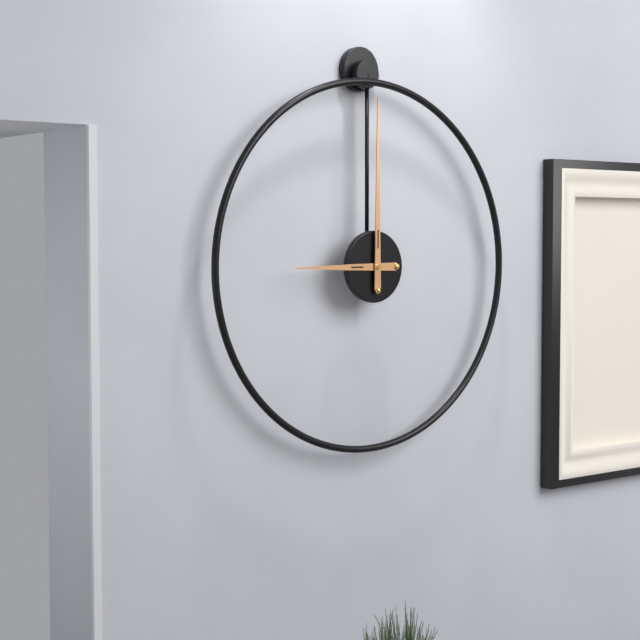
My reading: 9:00
